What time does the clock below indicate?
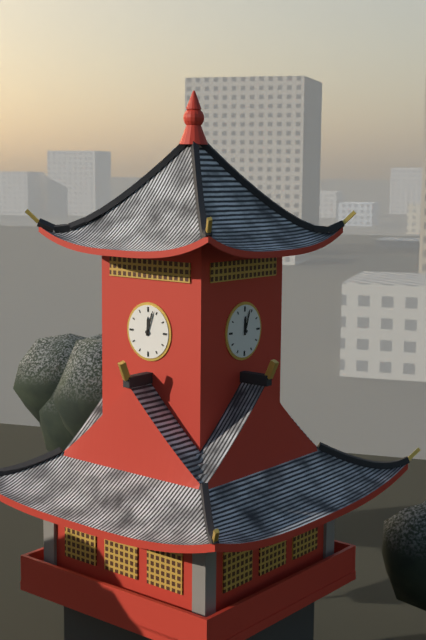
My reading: 12:03
